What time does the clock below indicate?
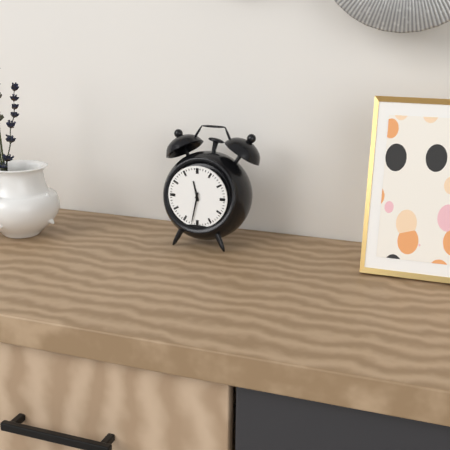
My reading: 11:32
